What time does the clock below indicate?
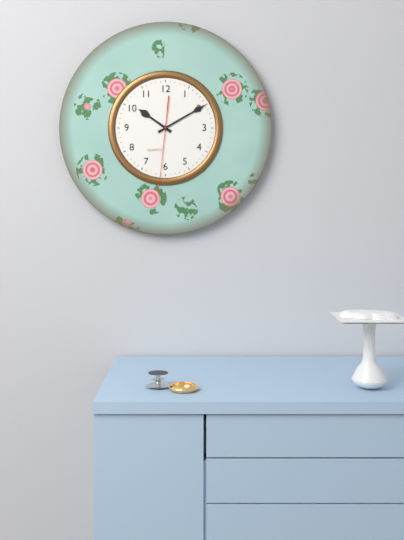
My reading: 10:10:31
